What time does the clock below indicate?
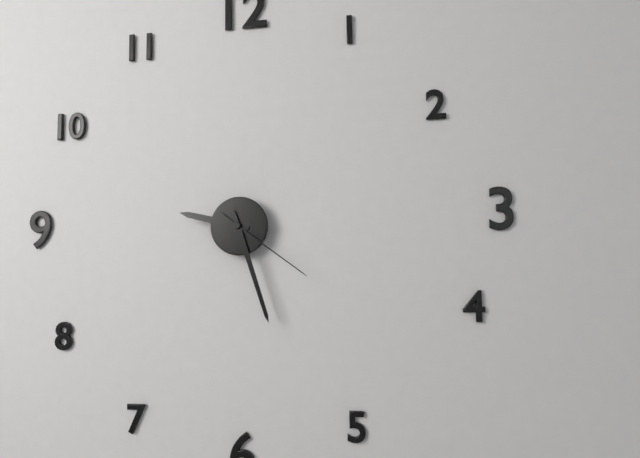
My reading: 9:27:21
